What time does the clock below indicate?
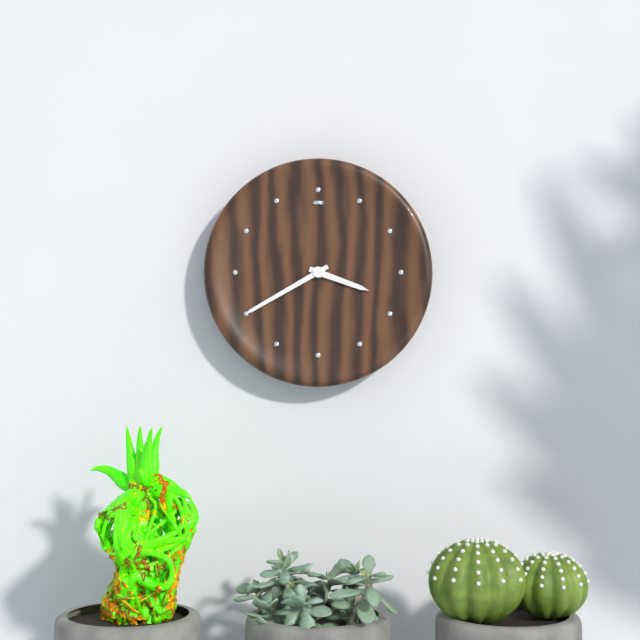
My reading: 3:40
